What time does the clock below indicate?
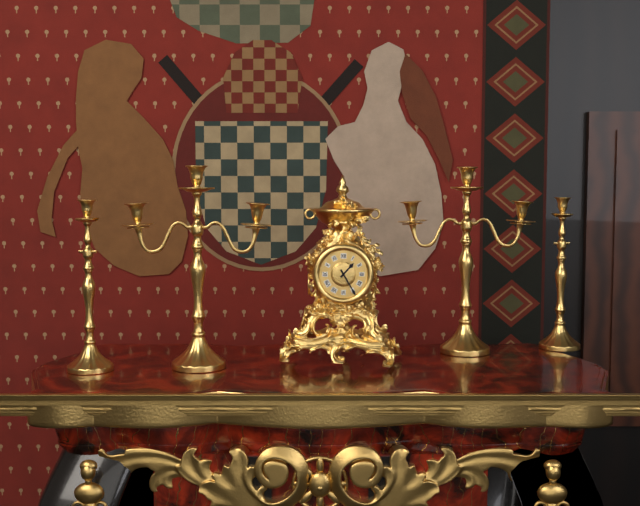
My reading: 1:25
